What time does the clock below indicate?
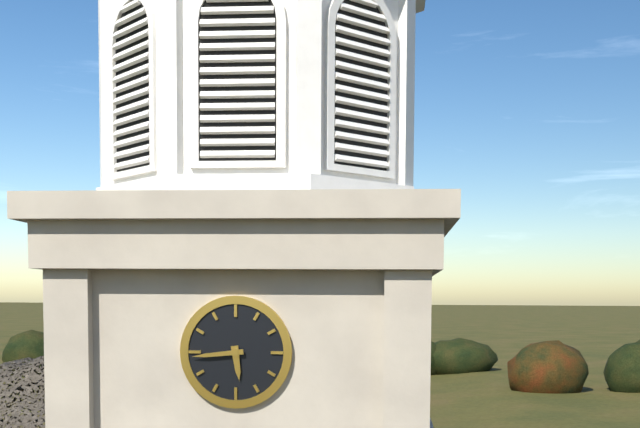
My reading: 5:44
